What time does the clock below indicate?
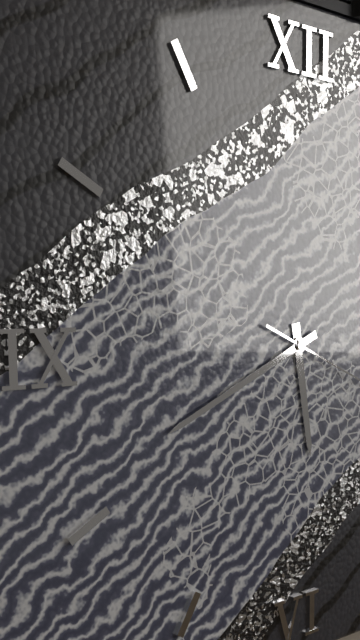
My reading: 5:41
